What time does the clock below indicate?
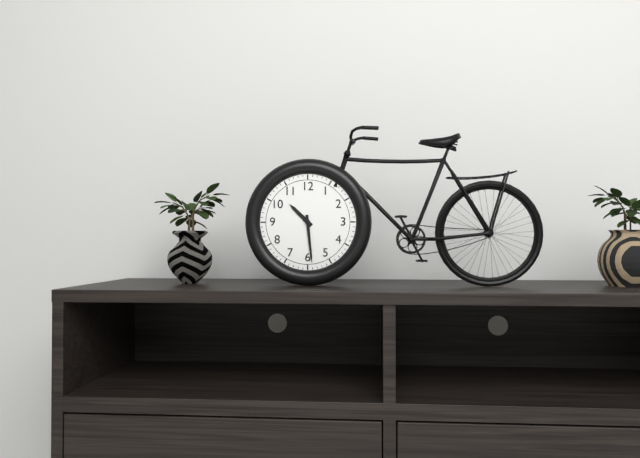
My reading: 10:29
